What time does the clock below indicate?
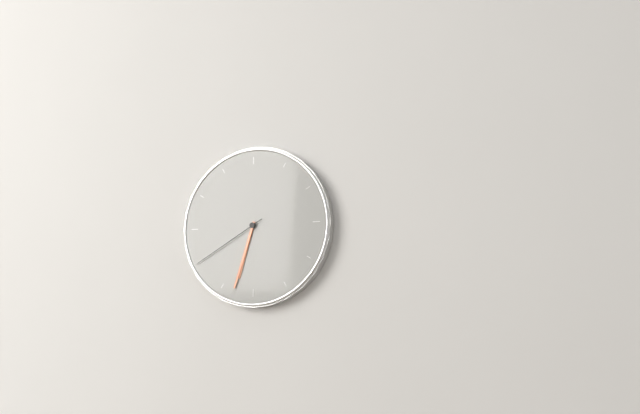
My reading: 6:33:40
